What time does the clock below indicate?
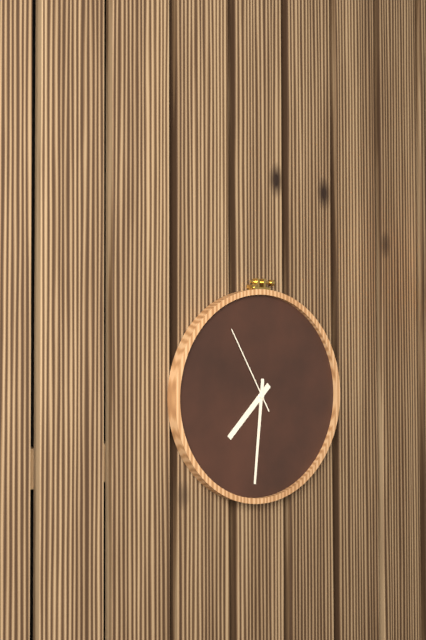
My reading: 7:31:55
